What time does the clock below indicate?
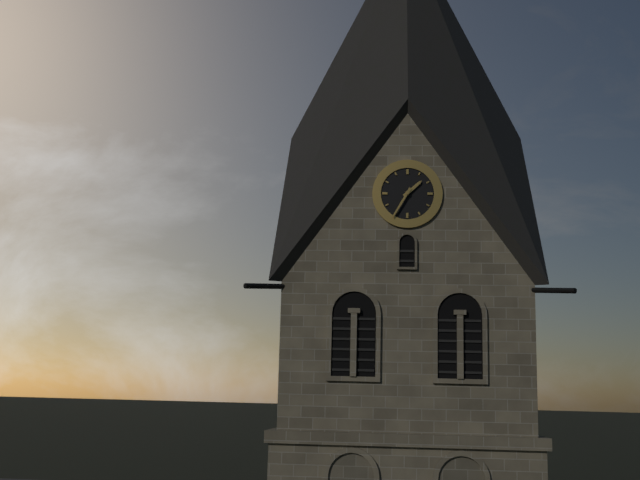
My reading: 1:35
